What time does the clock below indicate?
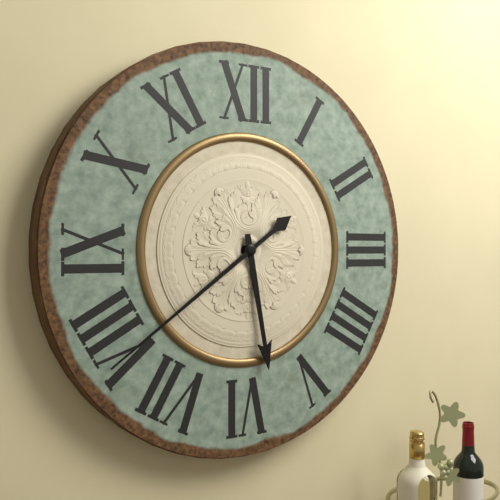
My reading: 5:39
